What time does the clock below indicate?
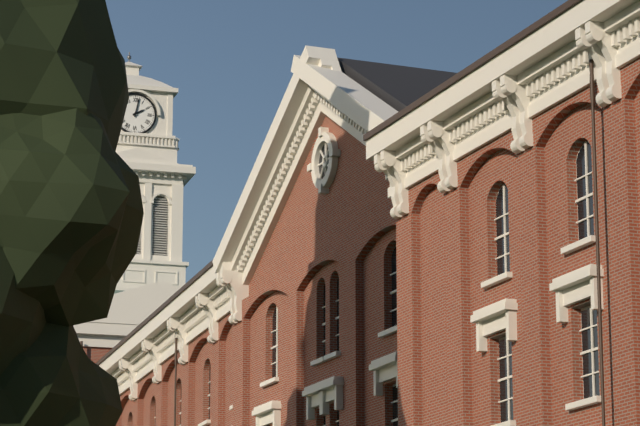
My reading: 2:02
